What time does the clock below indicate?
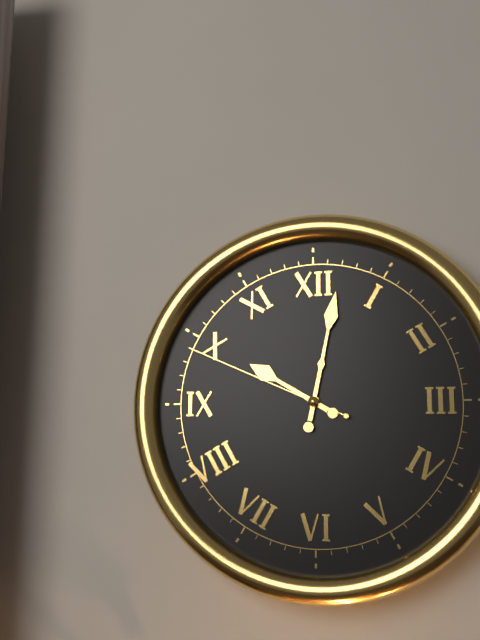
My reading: 10:02:49
